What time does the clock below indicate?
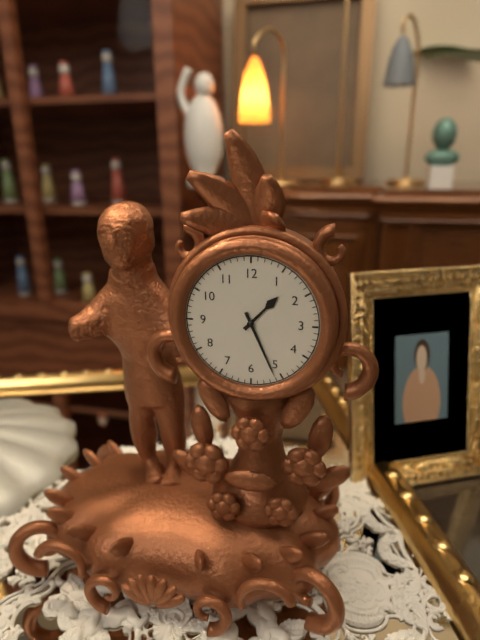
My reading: 1:26
